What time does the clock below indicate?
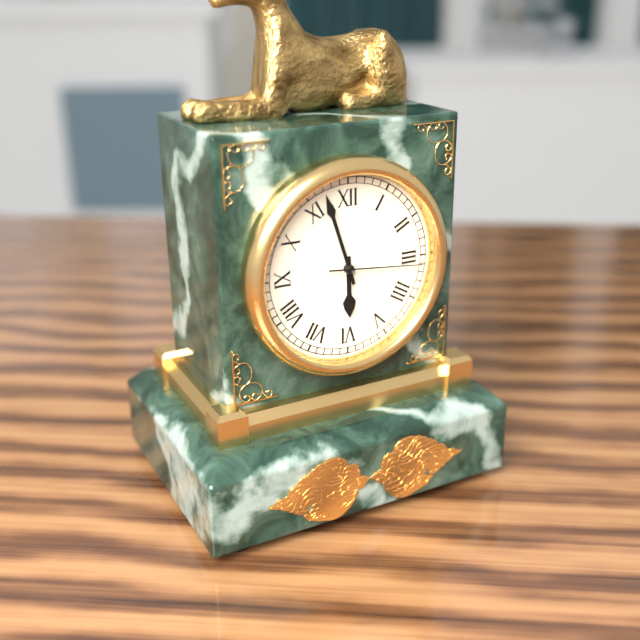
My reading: 5:57:16
